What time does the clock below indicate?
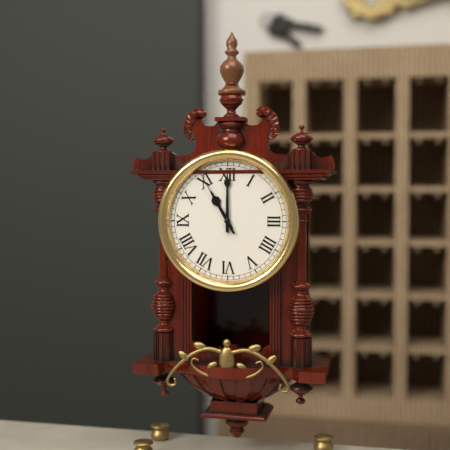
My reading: 11:00:55
